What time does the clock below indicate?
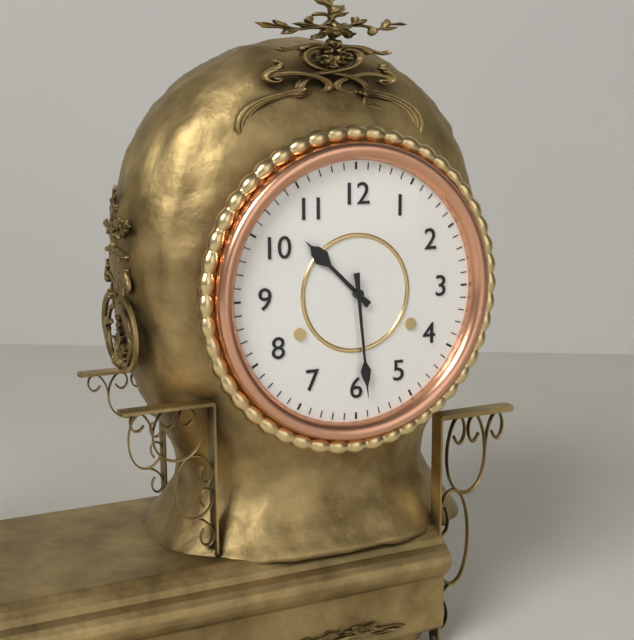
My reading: 10:29
